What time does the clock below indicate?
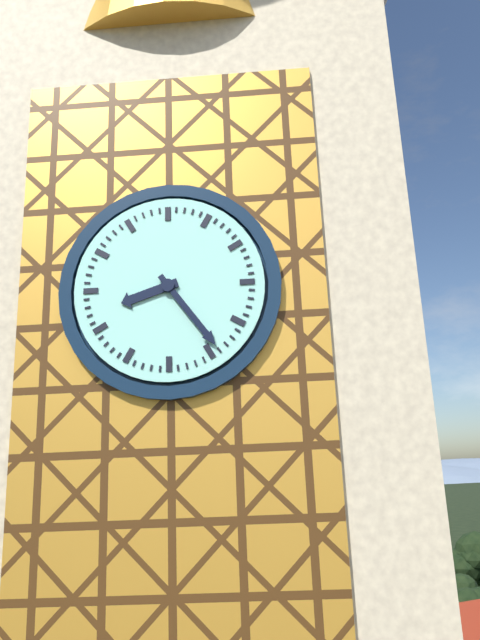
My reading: 8:24
